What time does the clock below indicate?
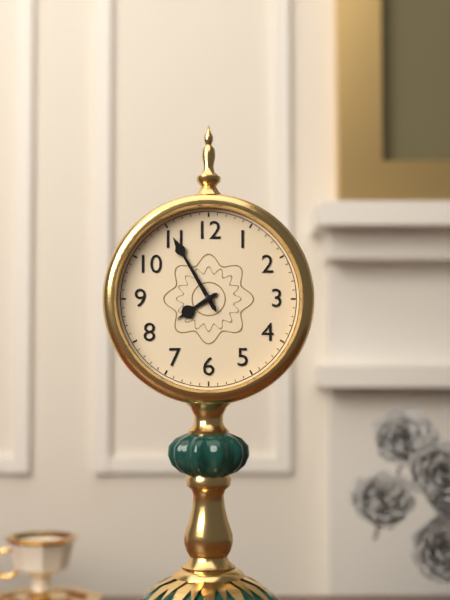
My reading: 7:55
